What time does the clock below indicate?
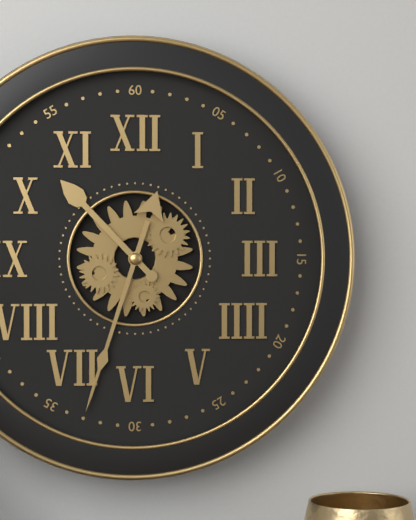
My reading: 10:33
